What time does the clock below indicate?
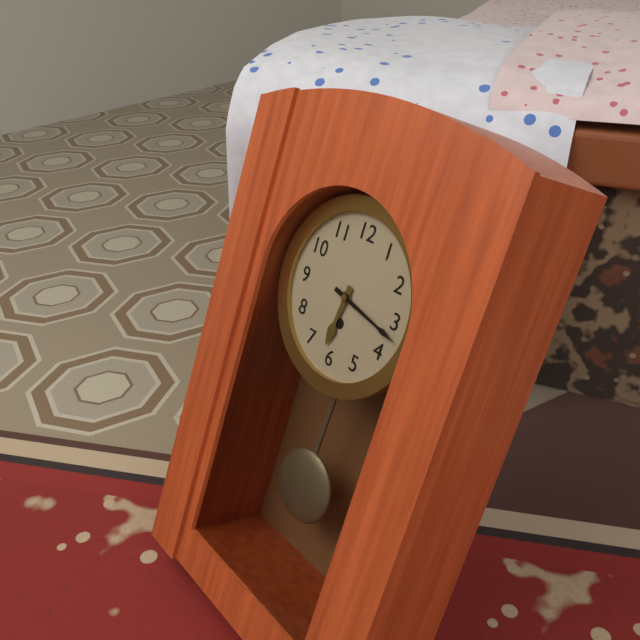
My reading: 6:17
